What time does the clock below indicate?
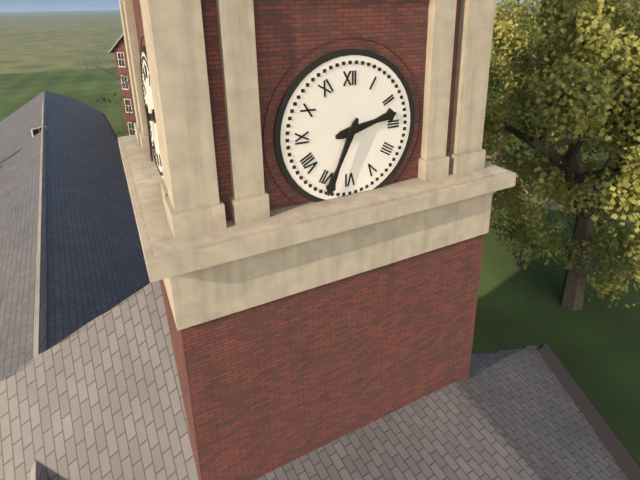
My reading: 2:34
